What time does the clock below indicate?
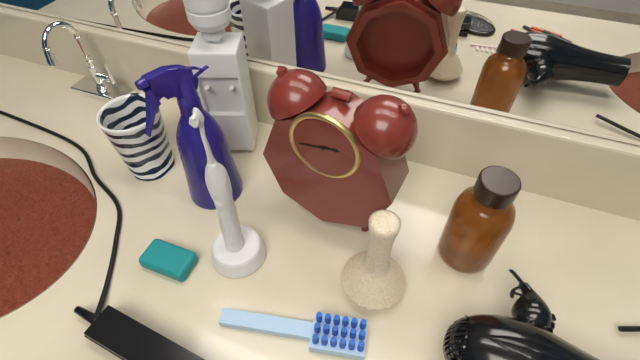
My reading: 2:43
